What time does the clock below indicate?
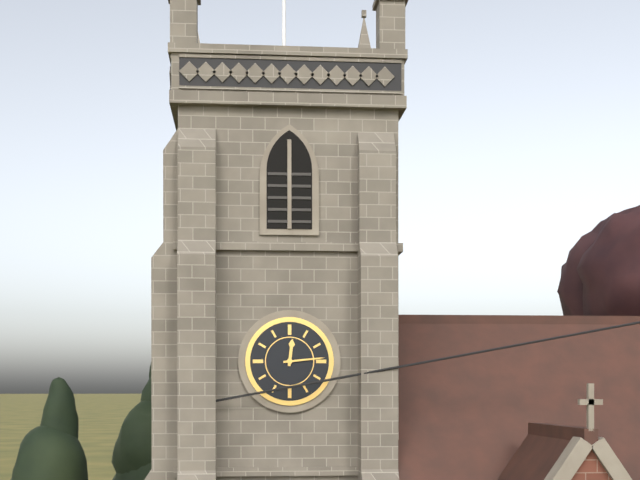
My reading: 12:14
